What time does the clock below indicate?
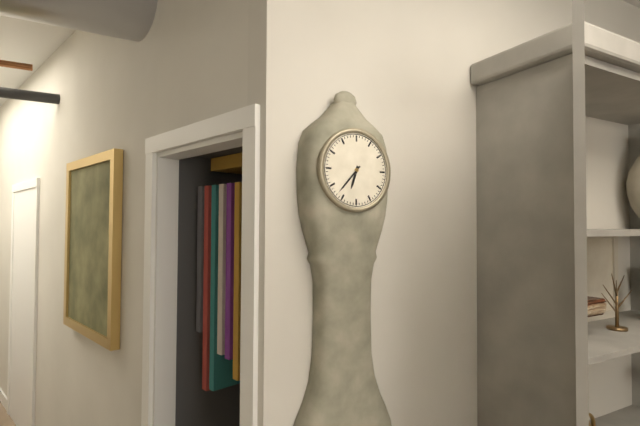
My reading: 6:37
